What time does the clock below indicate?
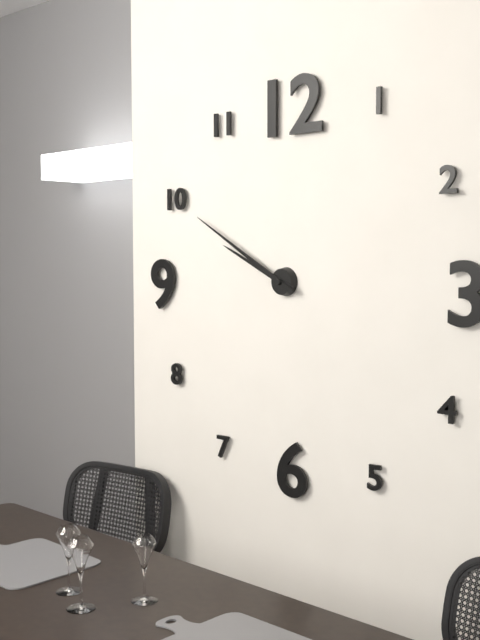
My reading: 9:50
